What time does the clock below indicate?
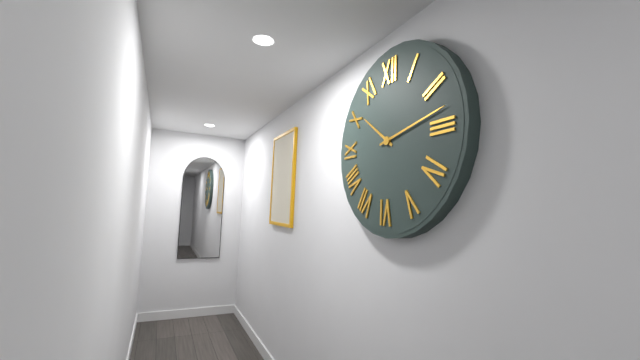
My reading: 10:13
